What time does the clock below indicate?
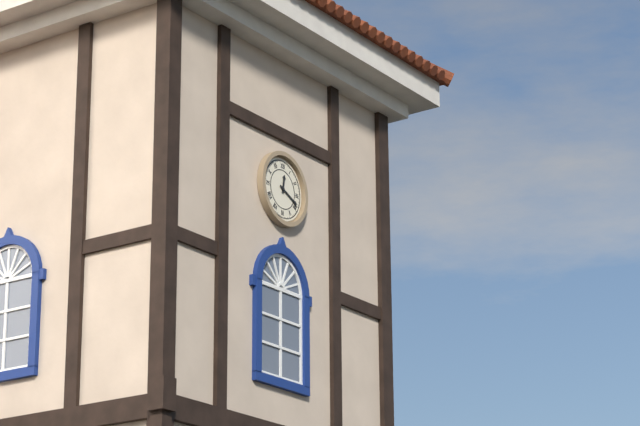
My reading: 12:19
